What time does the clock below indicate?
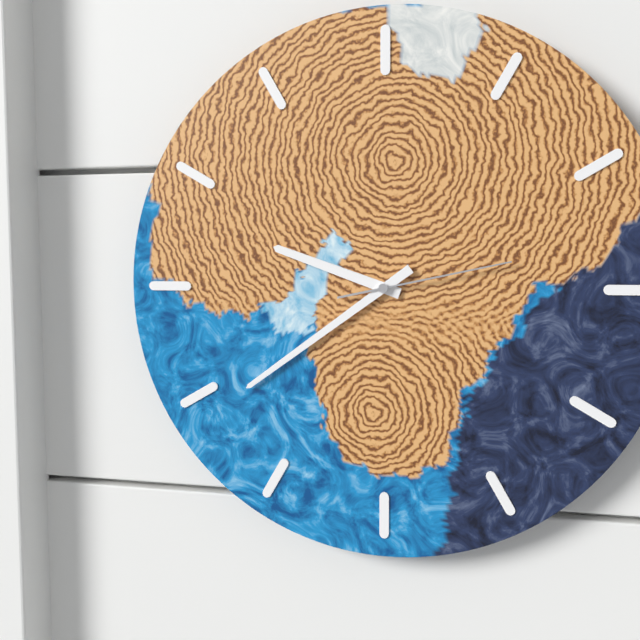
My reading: 9:39:13
